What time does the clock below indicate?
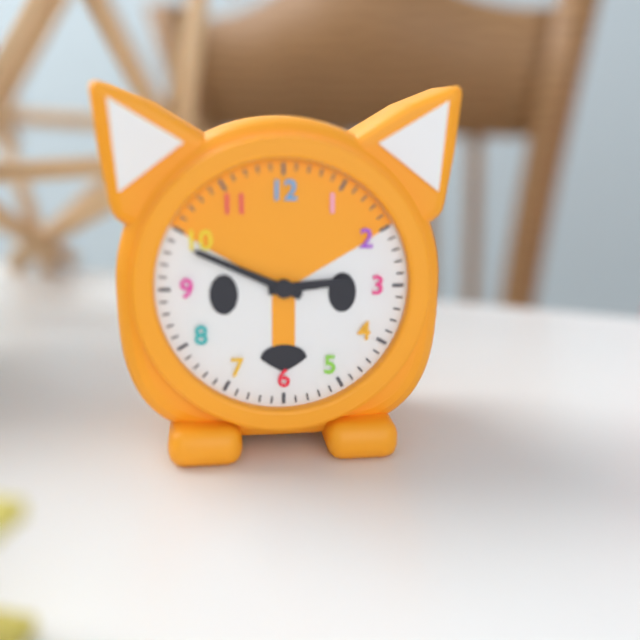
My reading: 2:49
